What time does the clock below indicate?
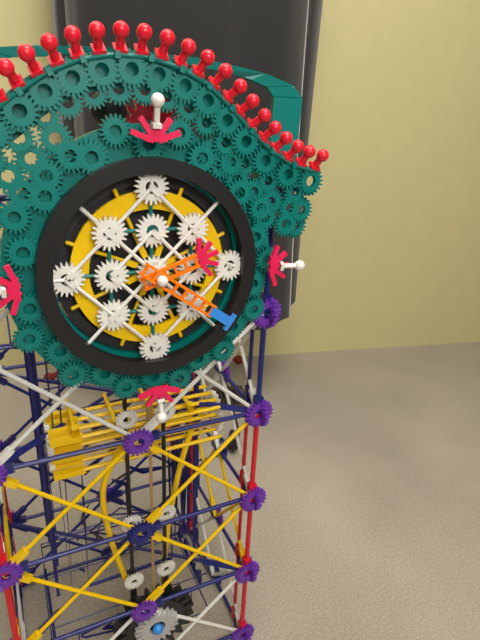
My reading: 2:21
